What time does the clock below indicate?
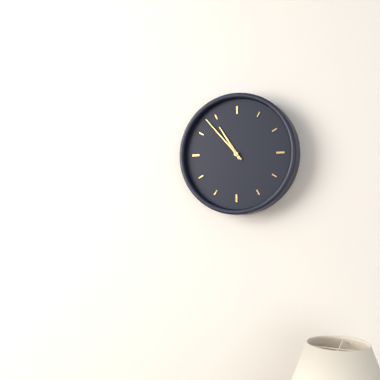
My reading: 10:53
